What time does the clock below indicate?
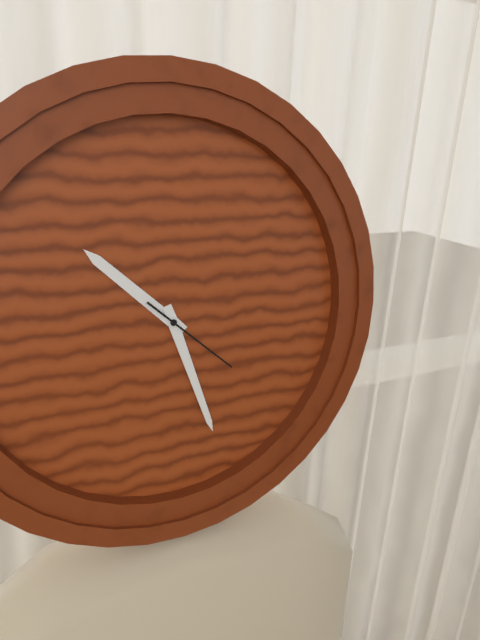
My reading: 10:27:22
